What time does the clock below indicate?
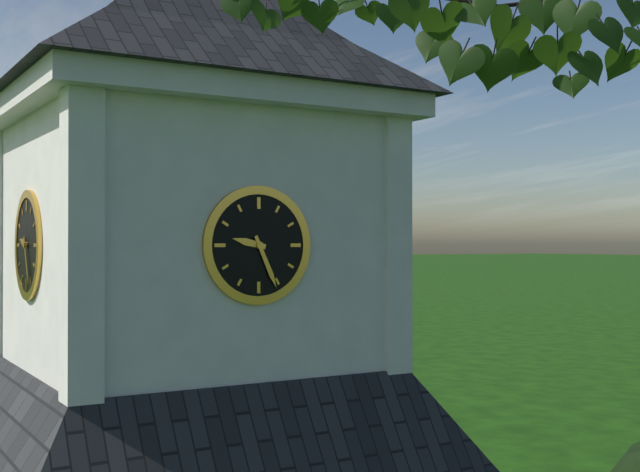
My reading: 9:26
